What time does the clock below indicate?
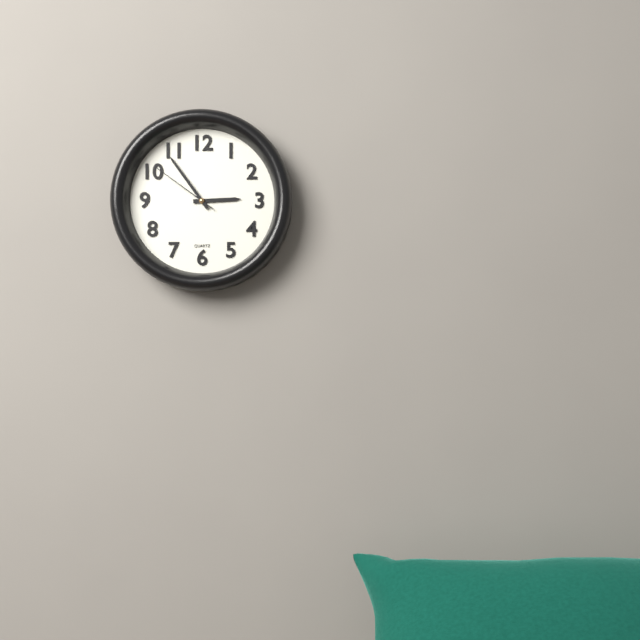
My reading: 2:54:51
